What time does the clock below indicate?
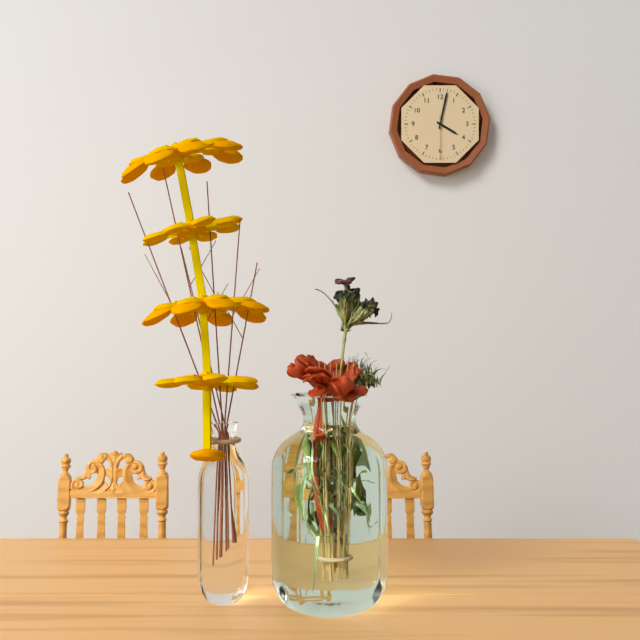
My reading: 4:02
